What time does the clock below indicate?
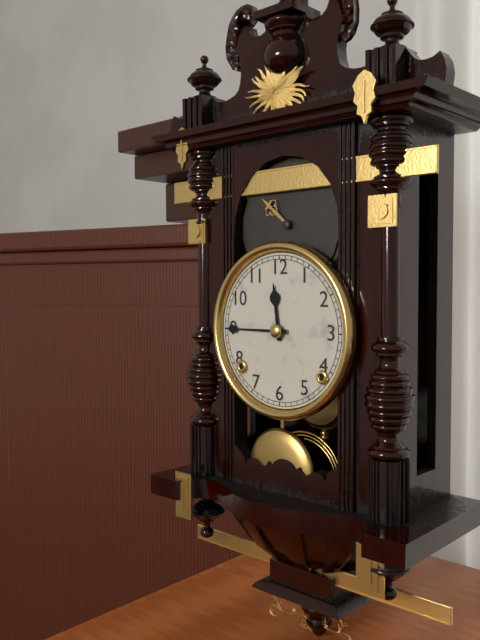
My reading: 11:45
